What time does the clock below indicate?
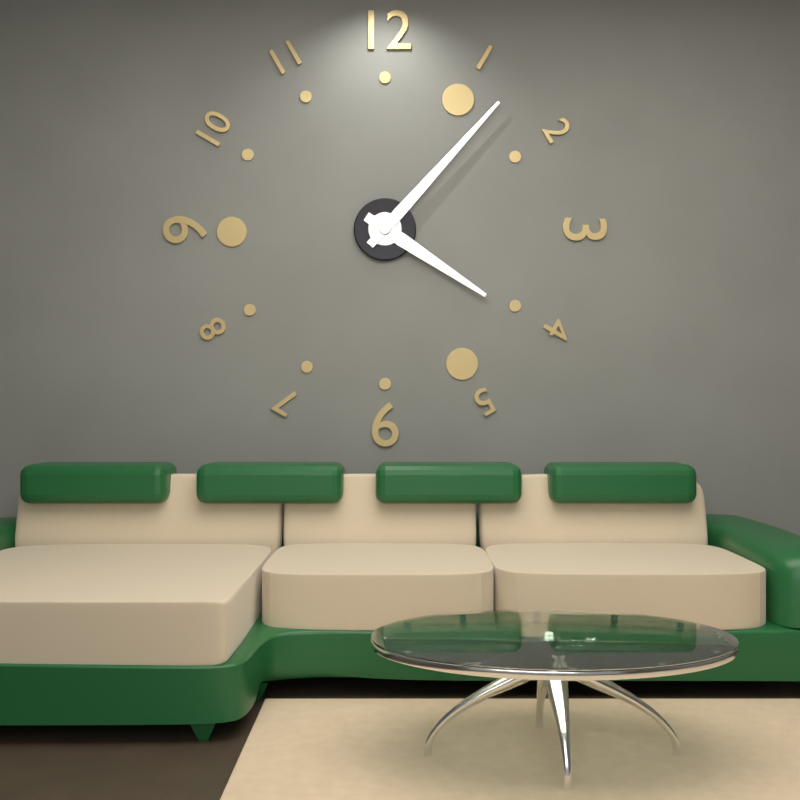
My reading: 4:07
